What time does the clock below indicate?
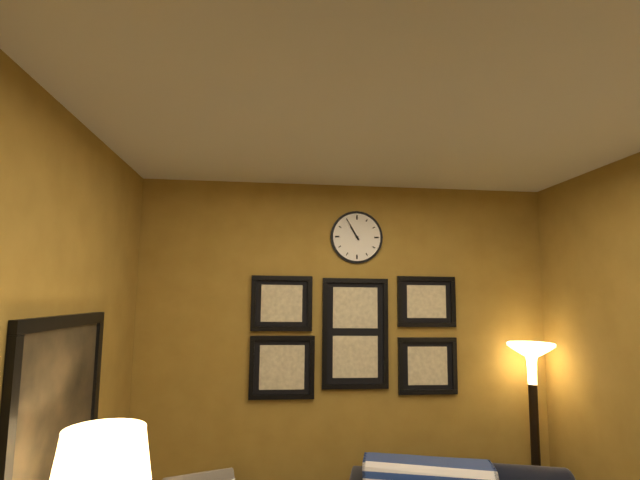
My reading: 10:55
